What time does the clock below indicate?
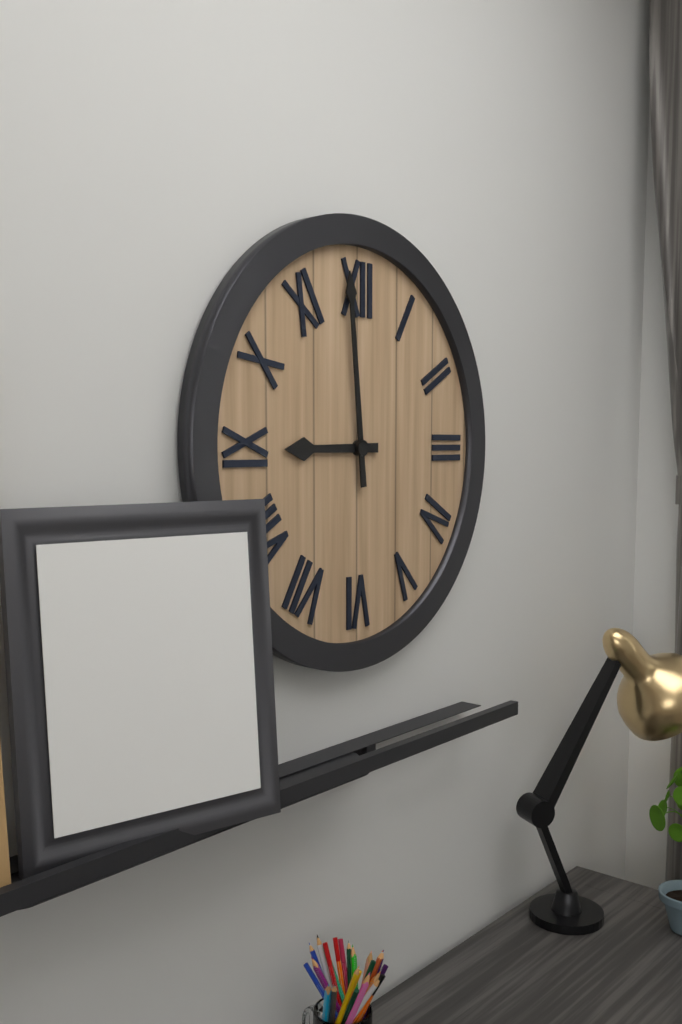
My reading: 8:59
